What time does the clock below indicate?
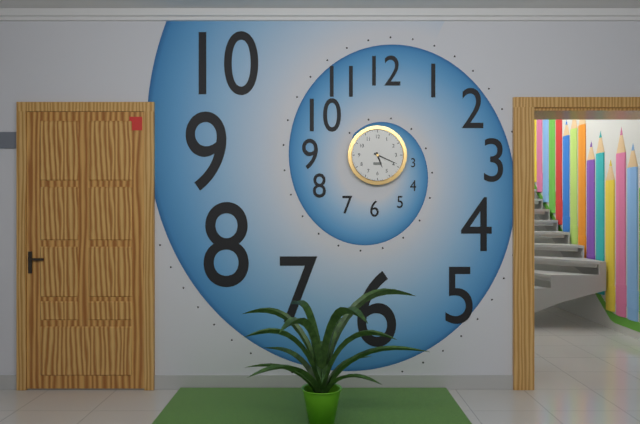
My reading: 5:19
